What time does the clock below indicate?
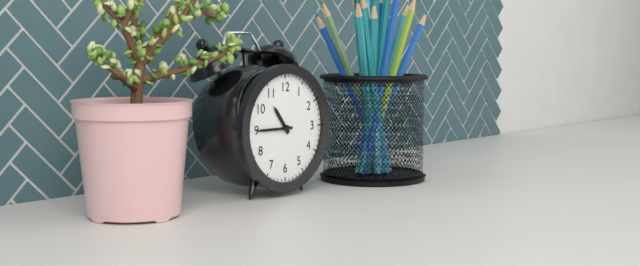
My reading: 10:45
